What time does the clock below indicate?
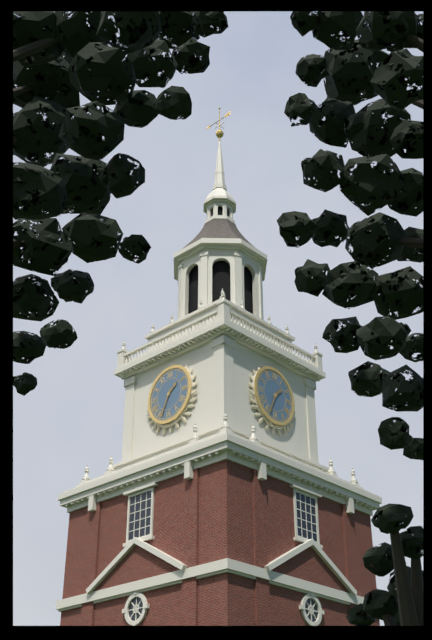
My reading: 1:34
